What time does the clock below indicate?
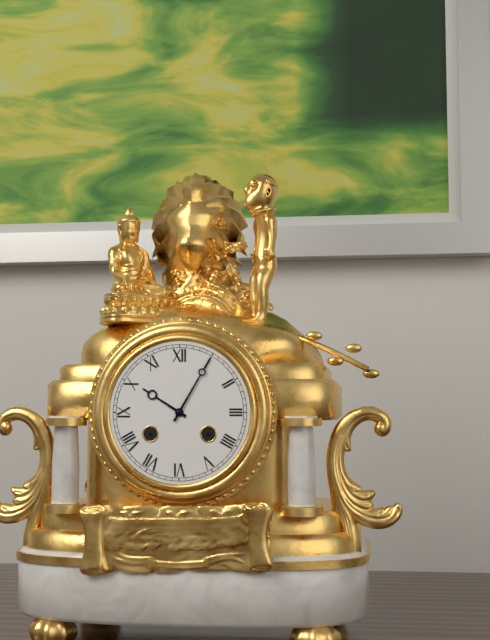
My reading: 10:05
